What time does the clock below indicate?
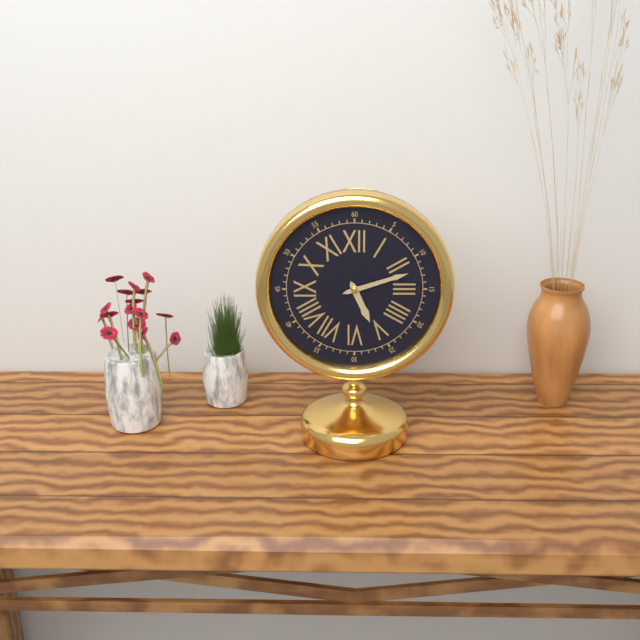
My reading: 5:12
